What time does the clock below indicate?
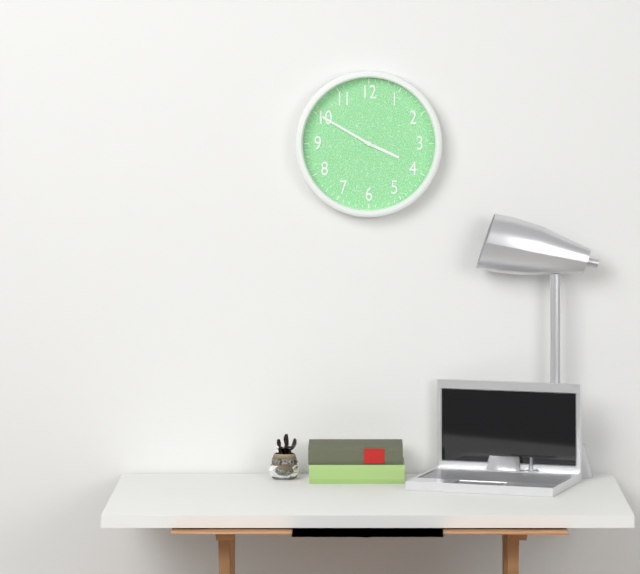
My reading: 3:50
